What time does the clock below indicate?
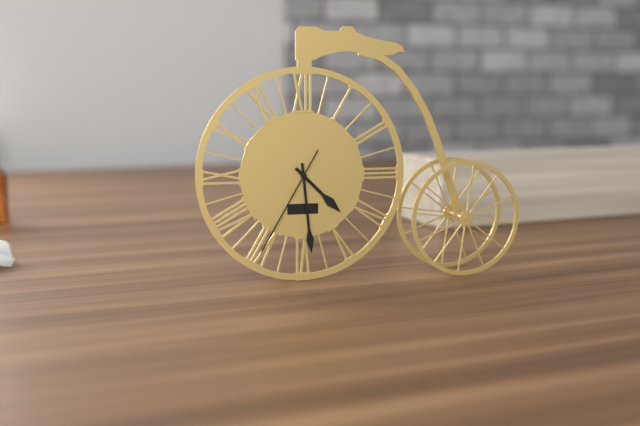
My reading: 4:29:35
